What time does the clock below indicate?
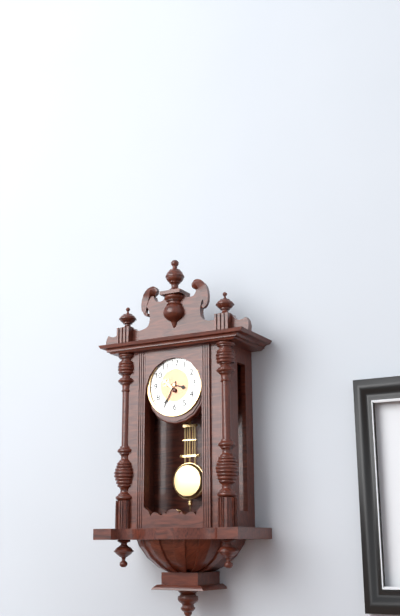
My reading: 3:35
